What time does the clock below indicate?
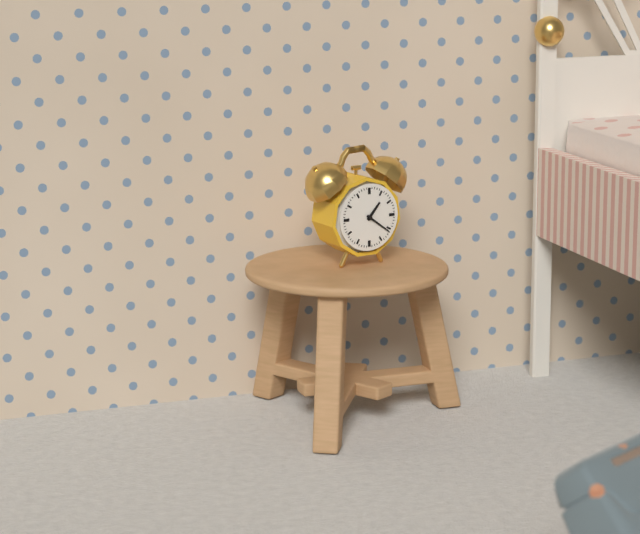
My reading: 1:21
